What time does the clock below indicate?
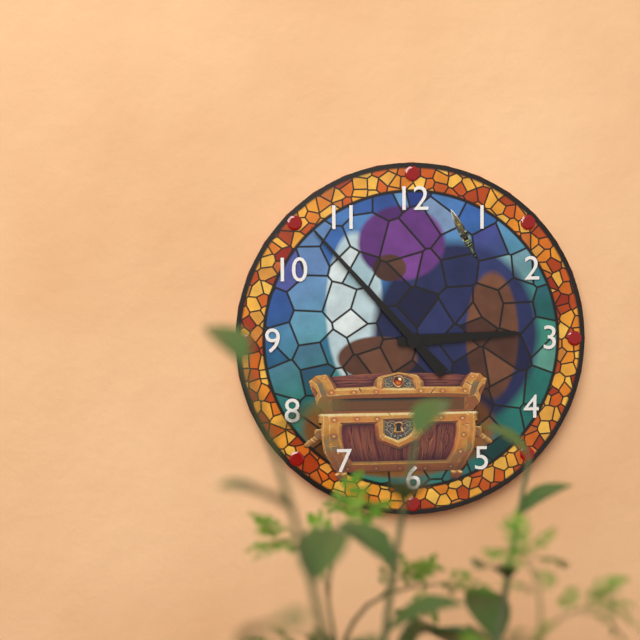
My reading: 2:53
